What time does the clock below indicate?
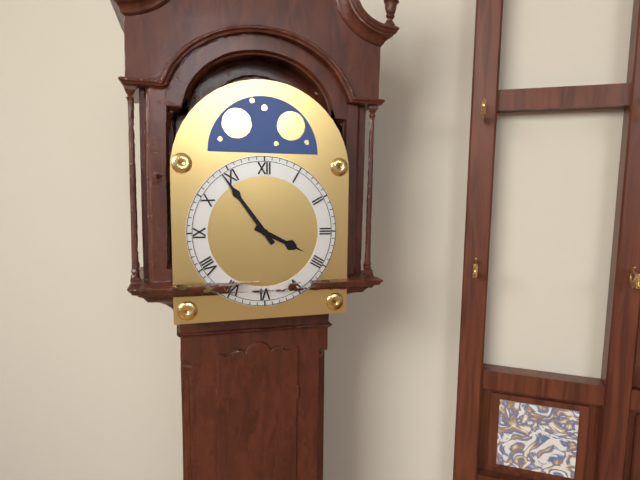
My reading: 3:54
